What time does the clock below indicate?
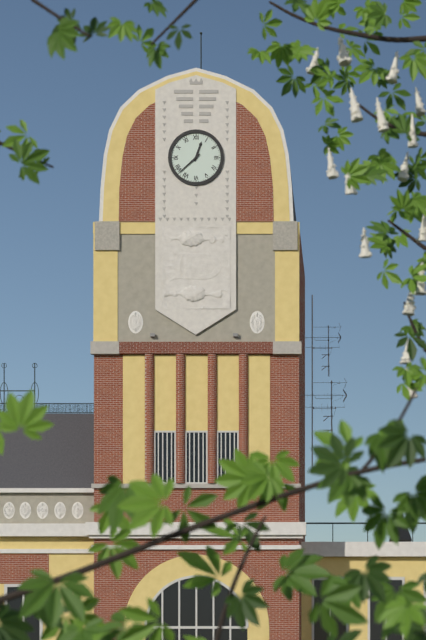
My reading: 12:38
